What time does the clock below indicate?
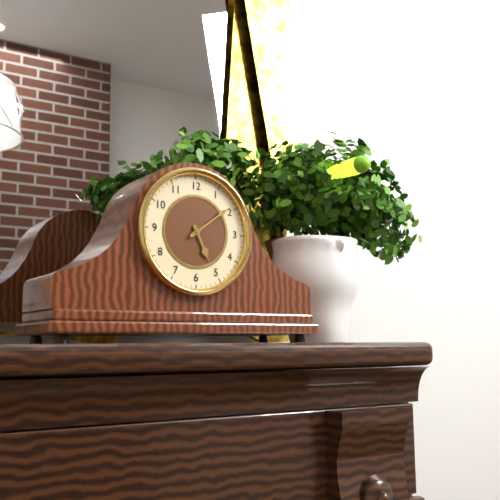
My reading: 5:09
